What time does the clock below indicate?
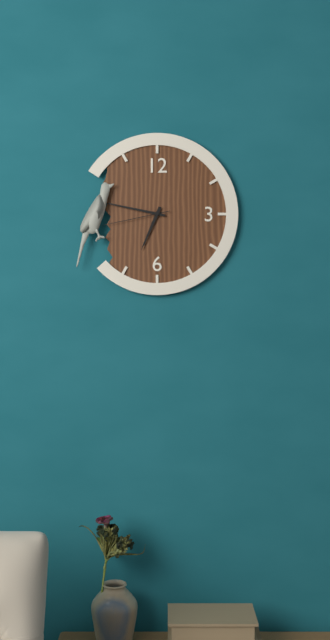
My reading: 6:47:43
